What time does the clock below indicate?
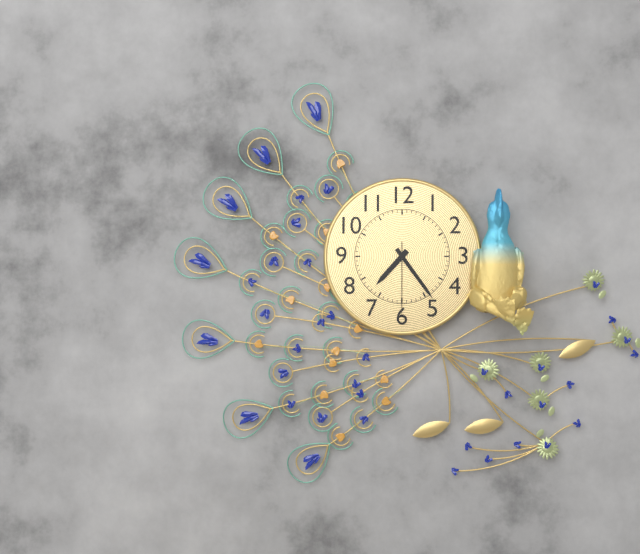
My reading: 7:24:30
